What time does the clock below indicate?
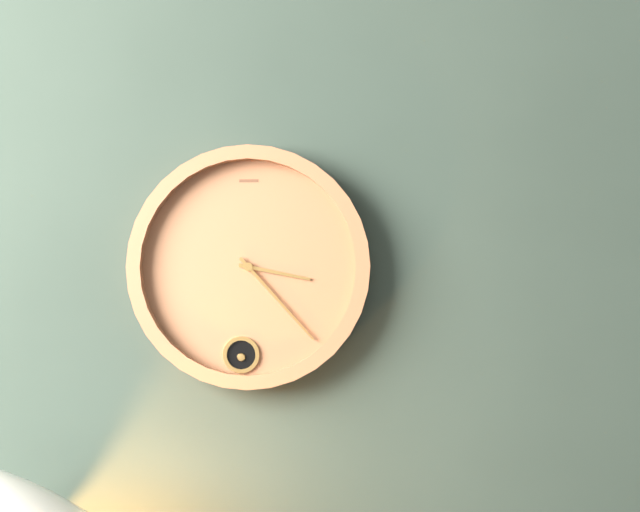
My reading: 3:23
